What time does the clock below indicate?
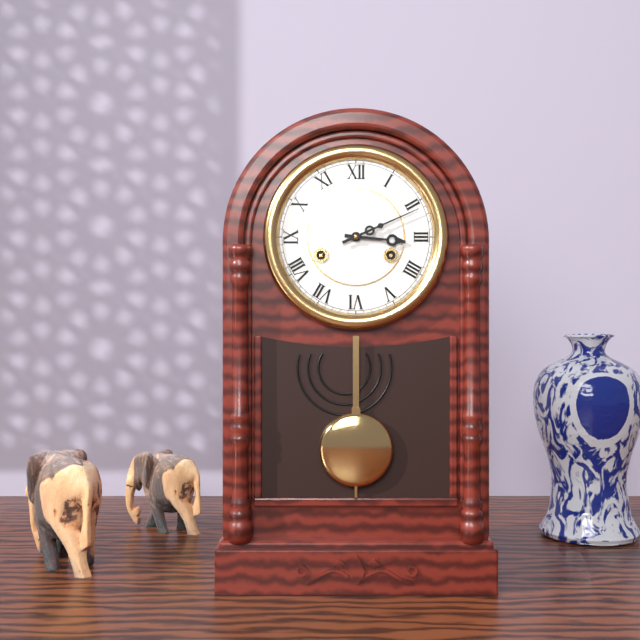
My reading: 3:11
